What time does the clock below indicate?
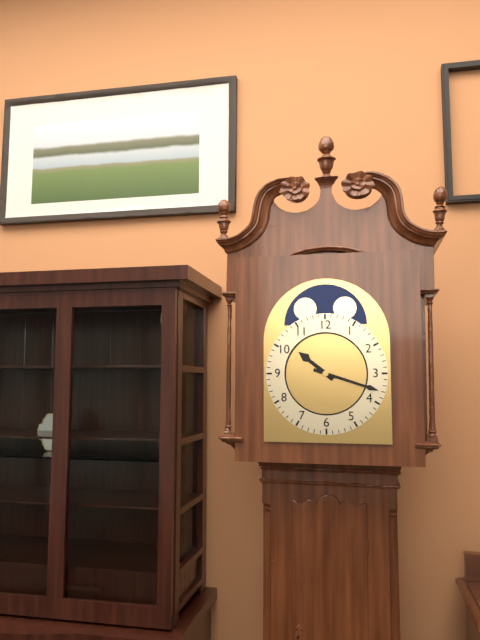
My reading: 10:18
